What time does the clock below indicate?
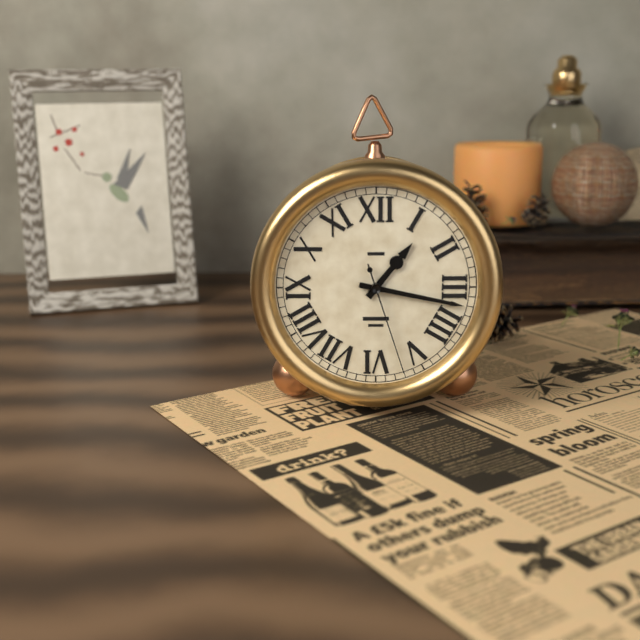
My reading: 1:17:27
